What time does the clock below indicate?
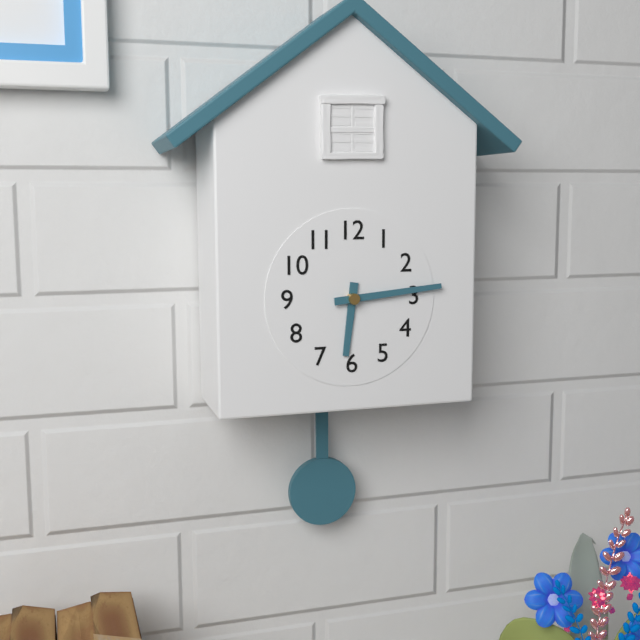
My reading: 6:14
